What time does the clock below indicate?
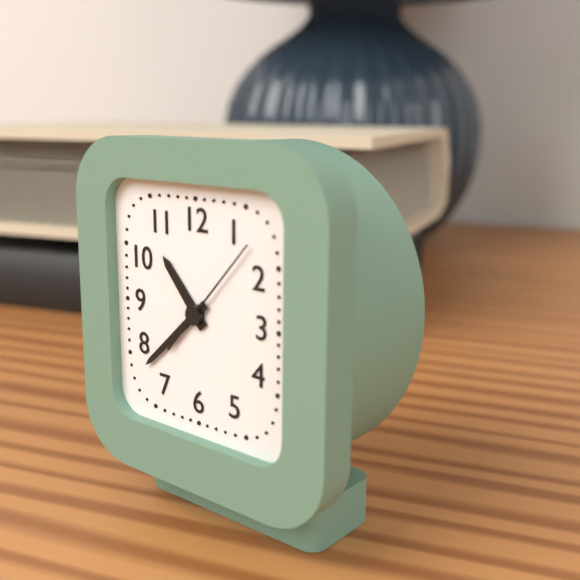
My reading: 10:38:07
